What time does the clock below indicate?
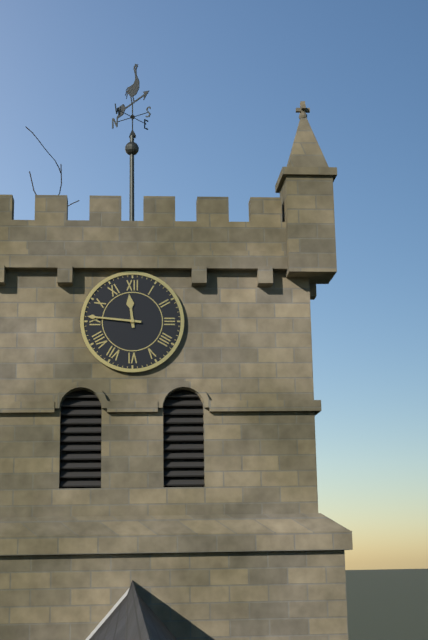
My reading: 11:46
